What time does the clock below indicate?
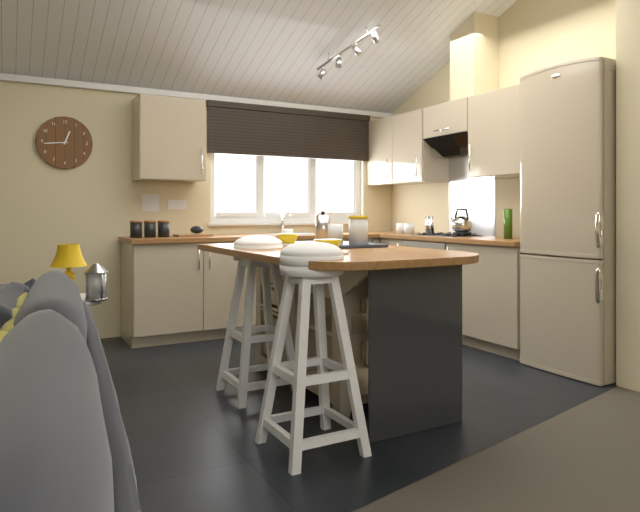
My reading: 12:44
